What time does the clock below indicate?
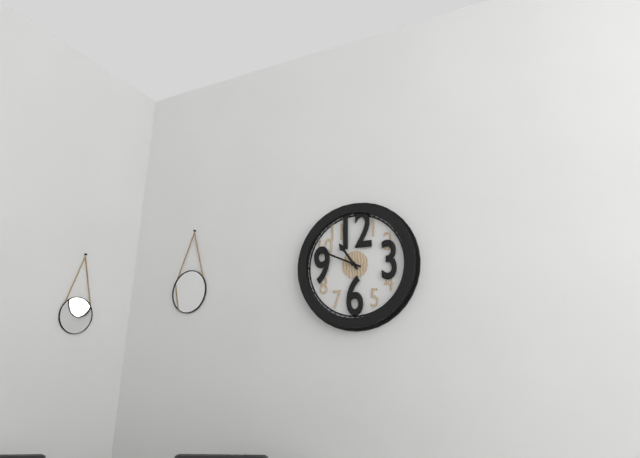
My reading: 10:49
